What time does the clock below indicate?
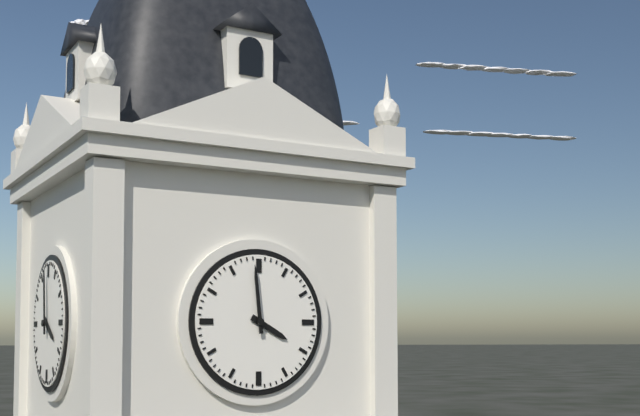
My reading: 3:59
